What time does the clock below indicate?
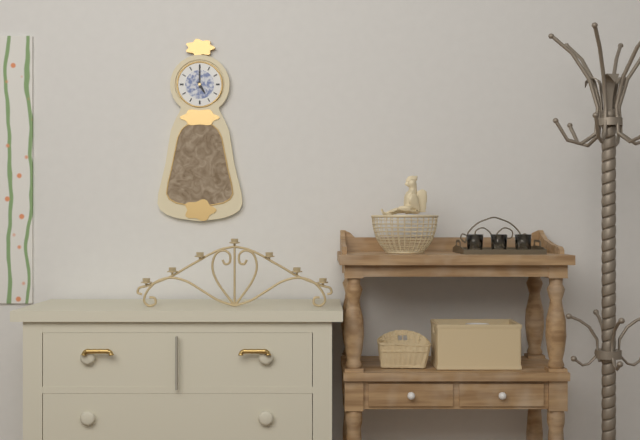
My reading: 5:00
